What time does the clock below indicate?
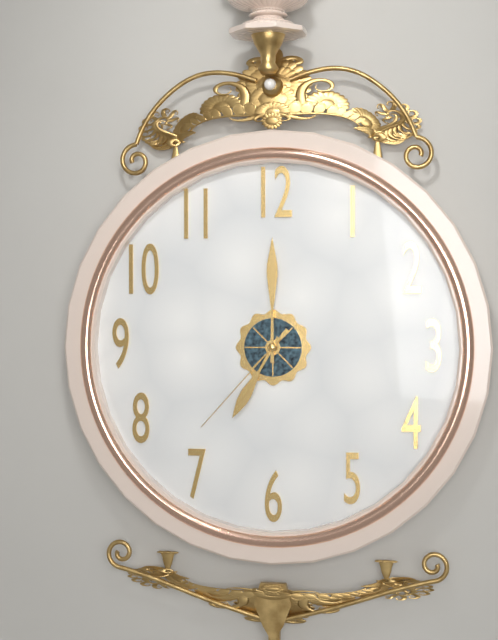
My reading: 7:00:37
